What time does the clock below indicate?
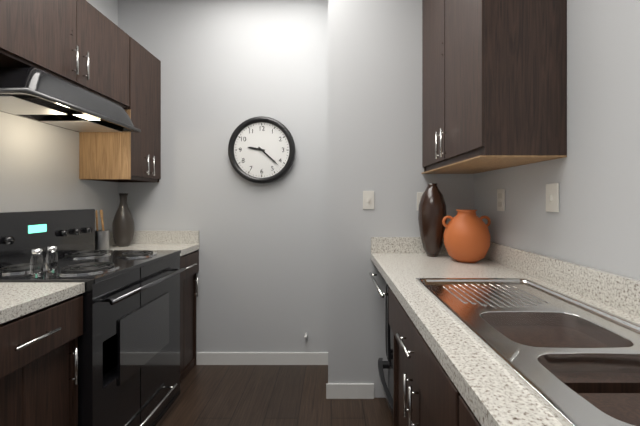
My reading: 9:22
